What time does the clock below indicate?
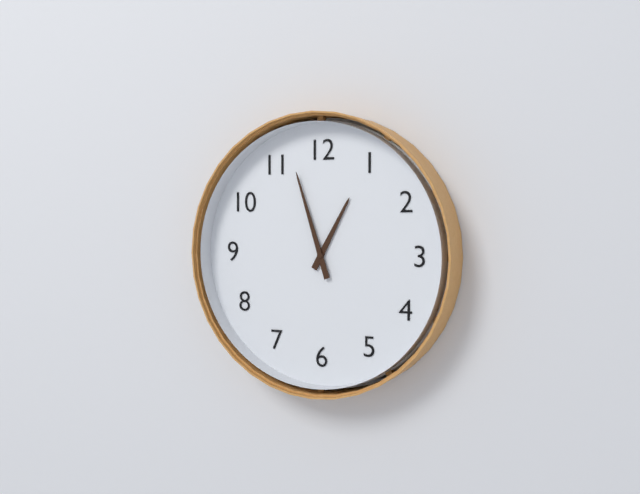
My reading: 12:57
